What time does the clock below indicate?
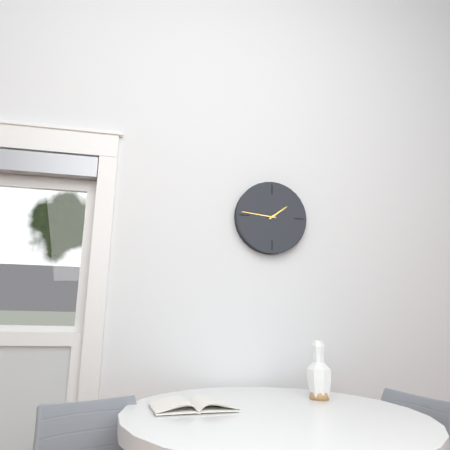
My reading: 1:46
